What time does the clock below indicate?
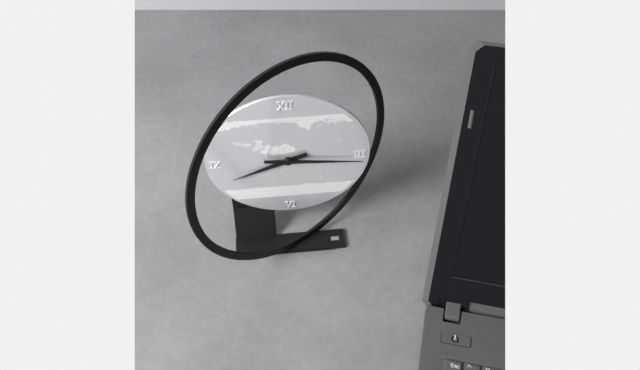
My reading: 8:16
